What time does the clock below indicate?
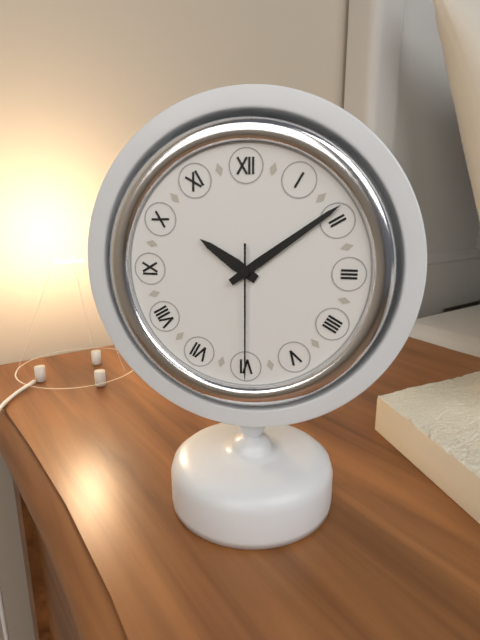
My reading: 10:09:30
